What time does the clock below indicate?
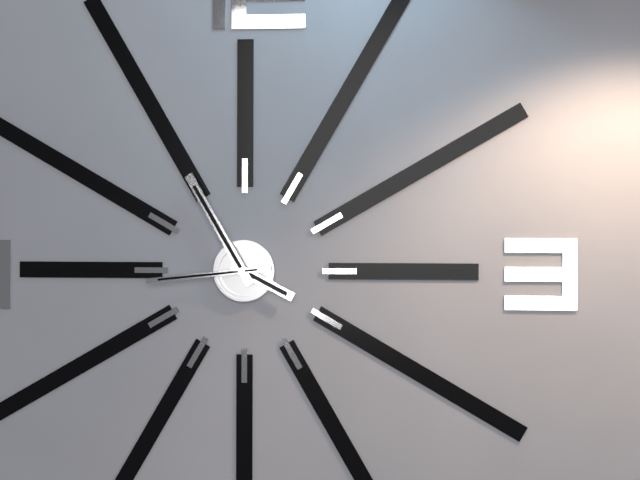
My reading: 3:55:44
